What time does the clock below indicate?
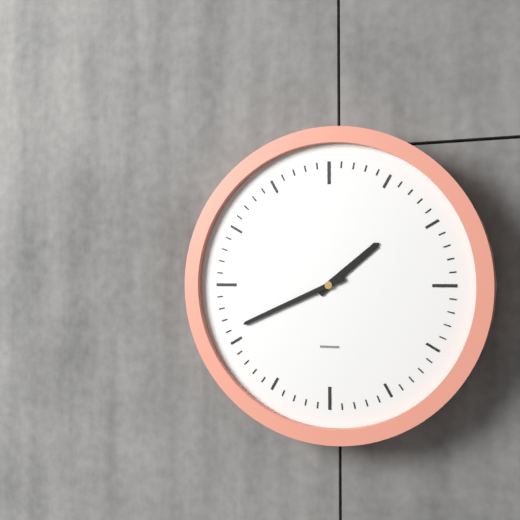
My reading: 1:41
